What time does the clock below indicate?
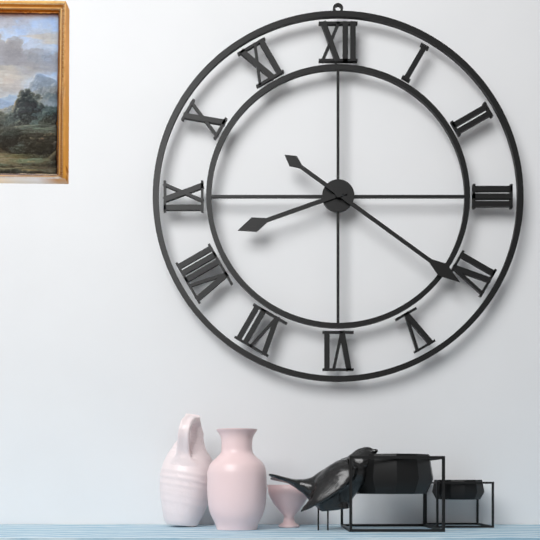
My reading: 8:21
